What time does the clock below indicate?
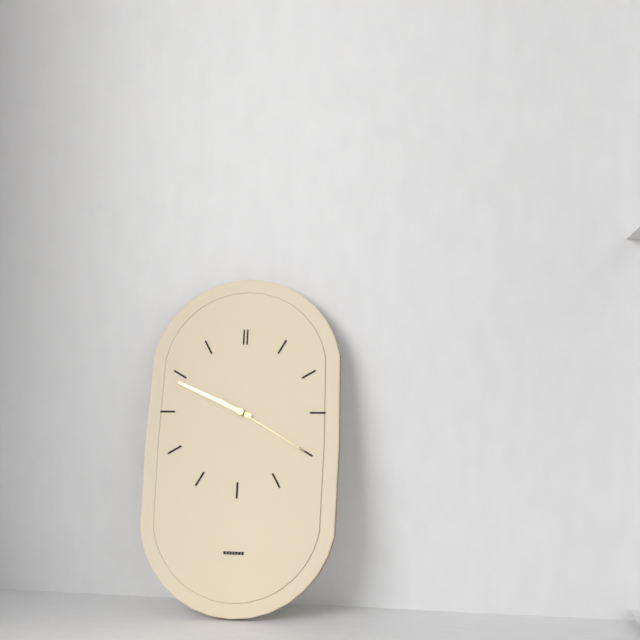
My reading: 9:49:20
